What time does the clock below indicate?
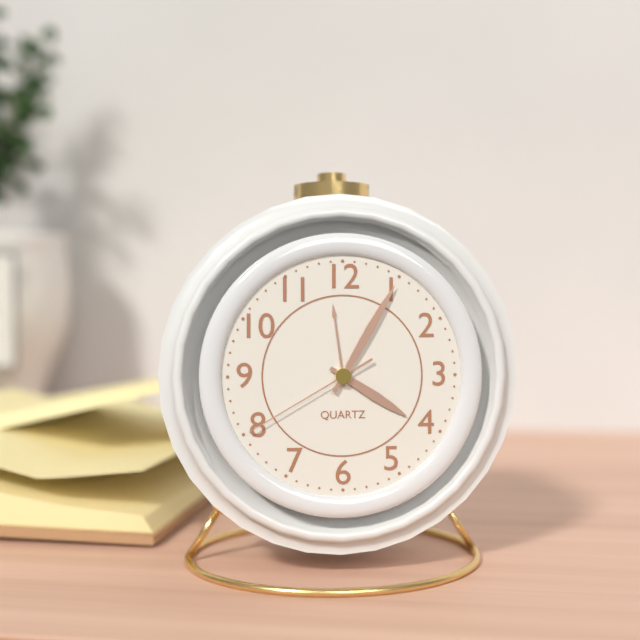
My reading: 4:05:40
